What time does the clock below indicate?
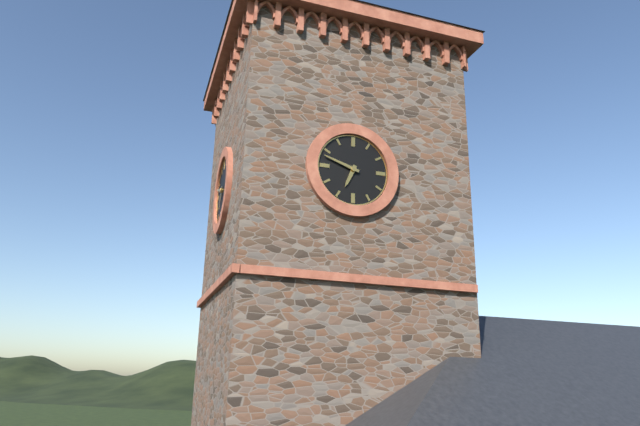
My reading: 6:48
